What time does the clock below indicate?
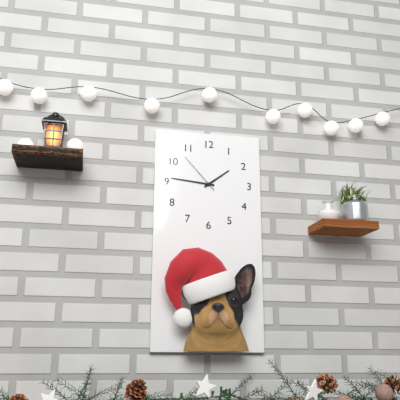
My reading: 1:46
